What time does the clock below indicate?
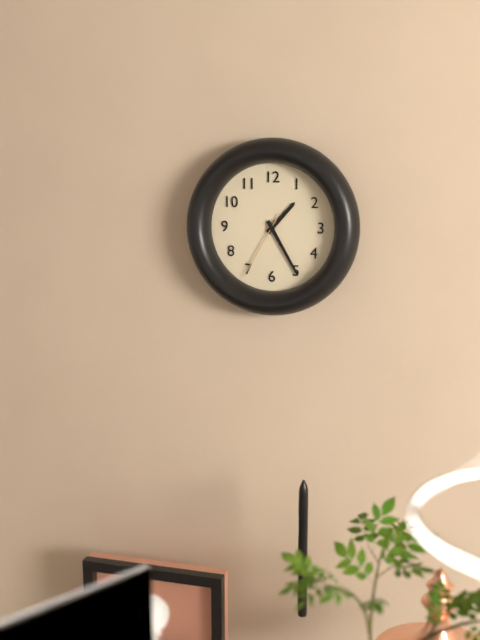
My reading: 1:25:35
